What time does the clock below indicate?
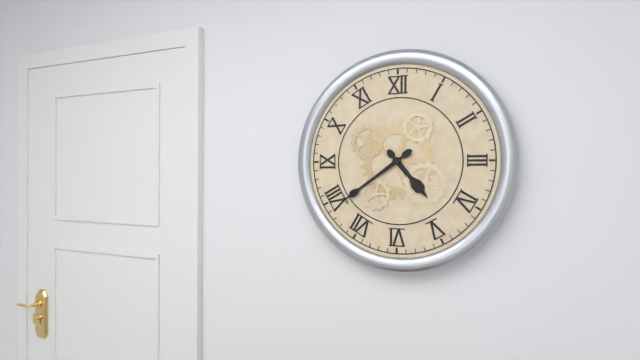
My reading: 4:39
